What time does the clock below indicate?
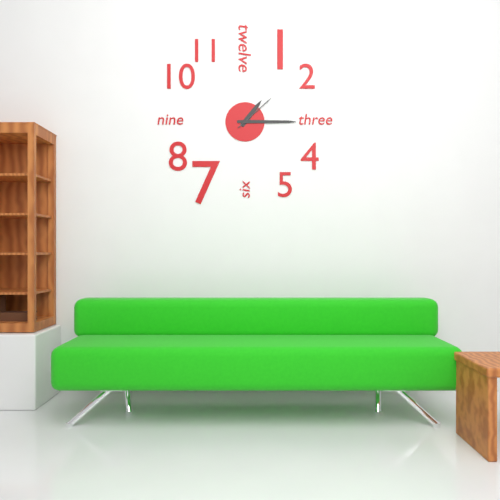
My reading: 1:15
